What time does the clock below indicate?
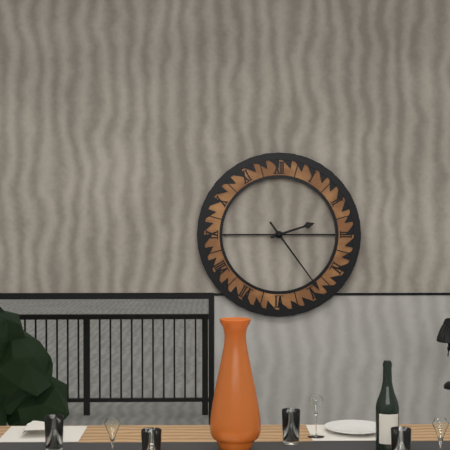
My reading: 2:24
